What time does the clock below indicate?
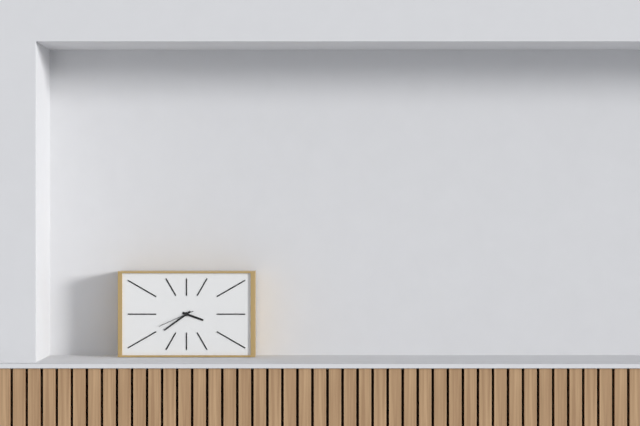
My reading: 3:39
